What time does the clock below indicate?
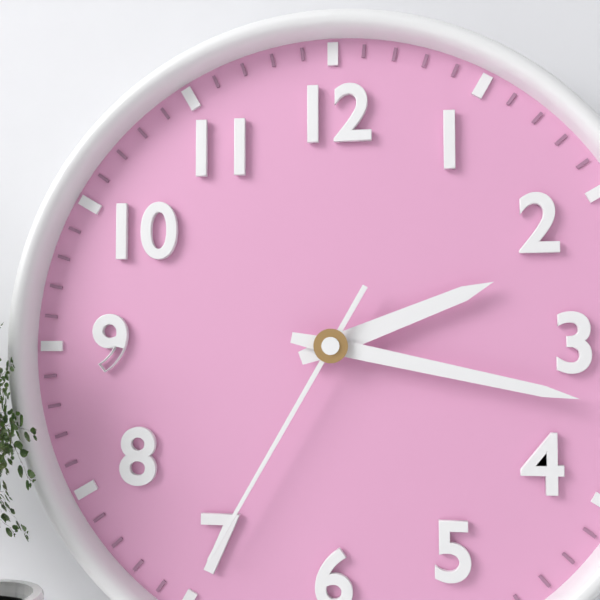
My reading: 2:17:35
